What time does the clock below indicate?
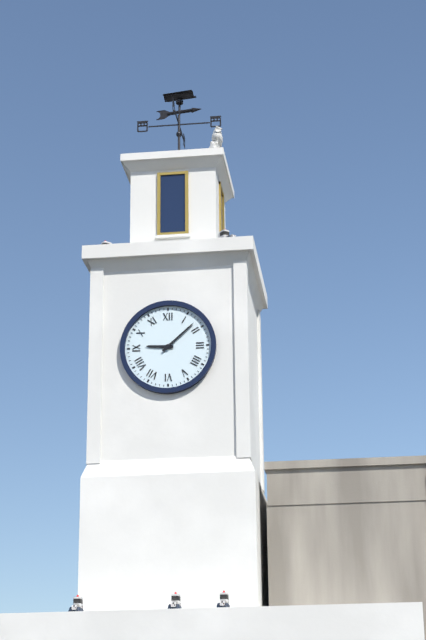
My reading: 9:08
